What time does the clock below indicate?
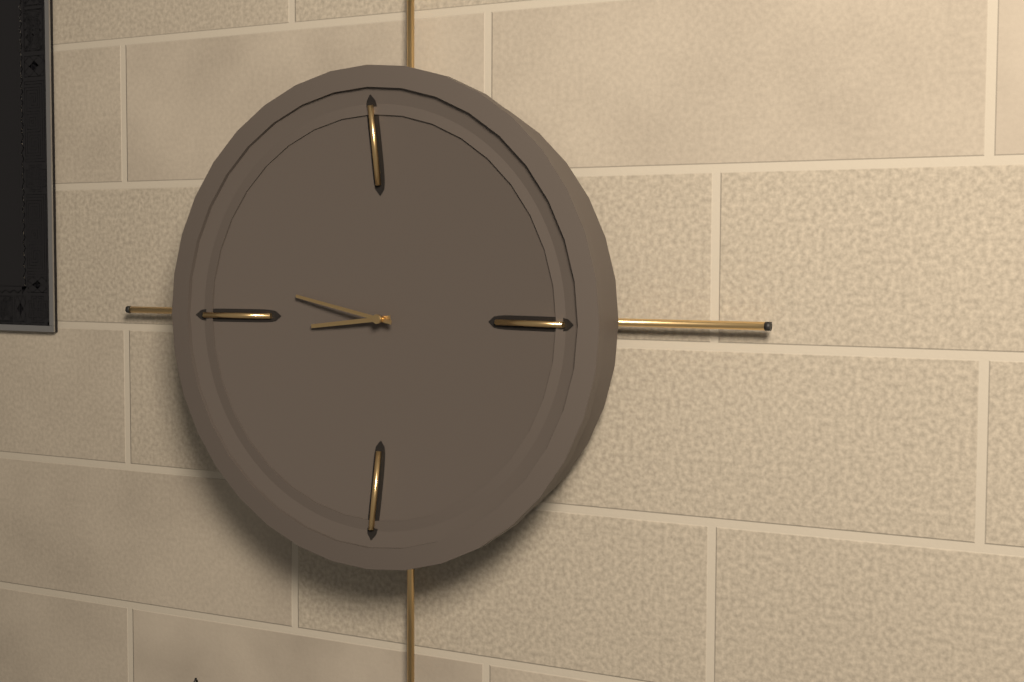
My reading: 8:47
